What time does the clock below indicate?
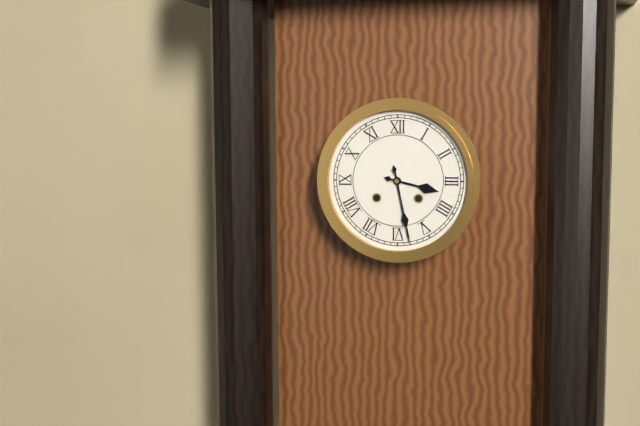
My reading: 3:28
